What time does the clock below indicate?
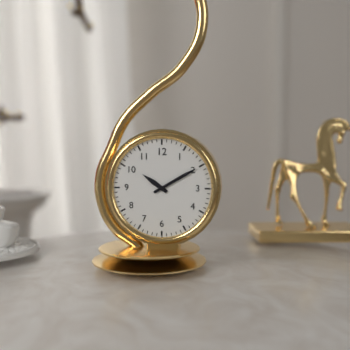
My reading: 10:10
